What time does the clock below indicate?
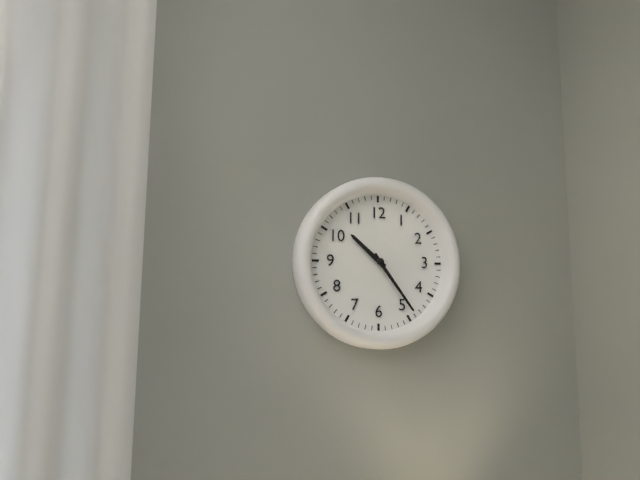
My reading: 10:24
